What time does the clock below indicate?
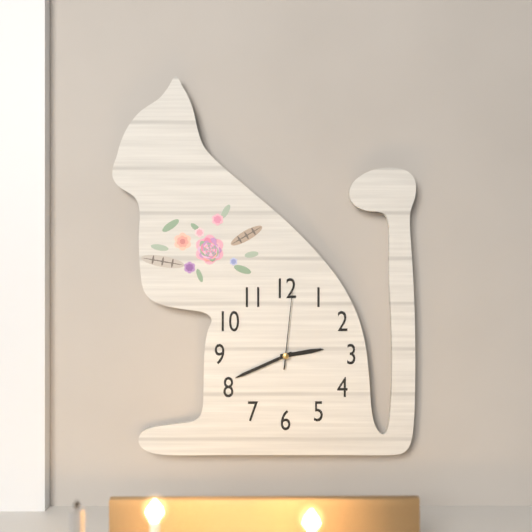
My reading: 2:41:01
